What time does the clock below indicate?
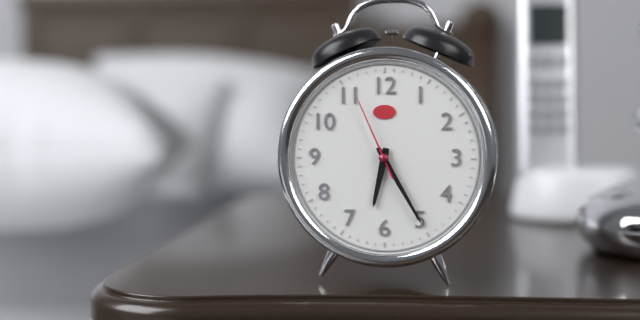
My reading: 6:25:56
